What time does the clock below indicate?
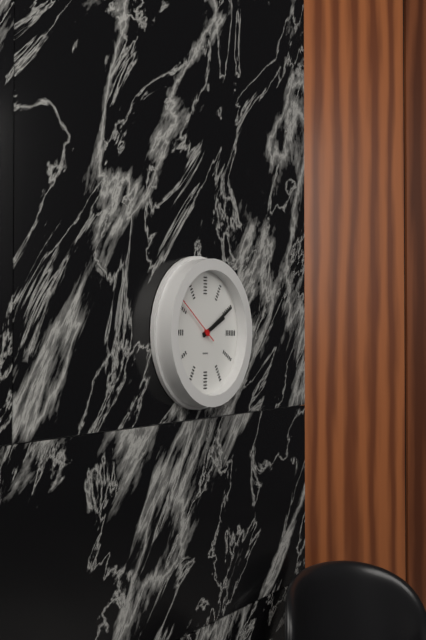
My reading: 2:10:51
